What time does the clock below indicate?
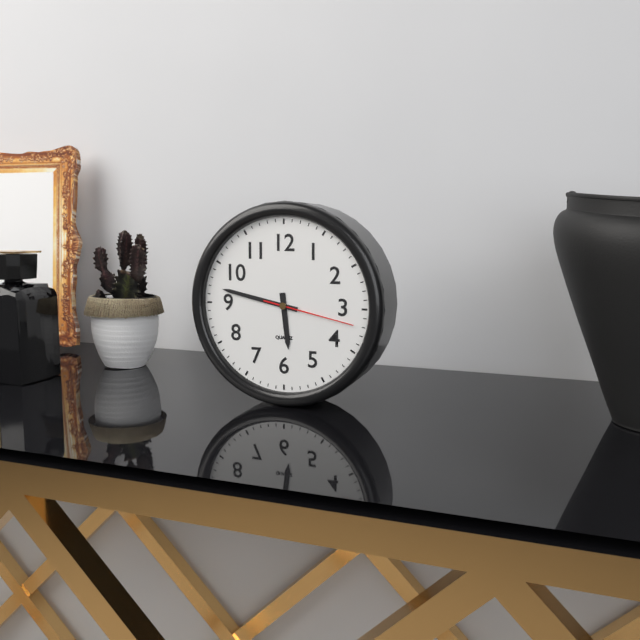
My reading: 5:47:17
